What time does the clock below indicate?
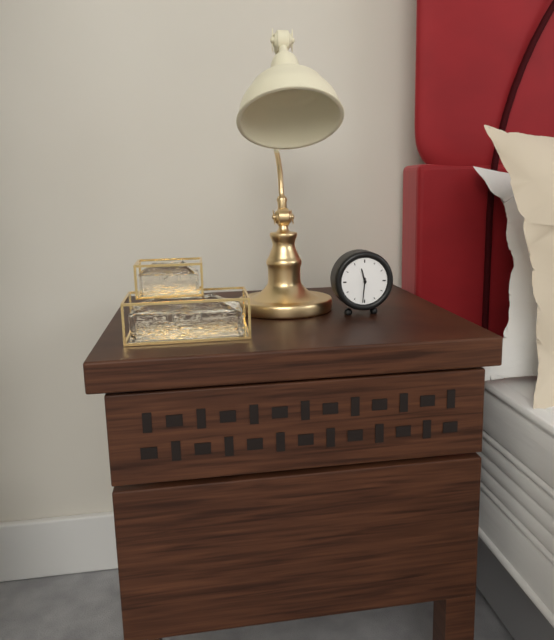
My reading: 11:31
